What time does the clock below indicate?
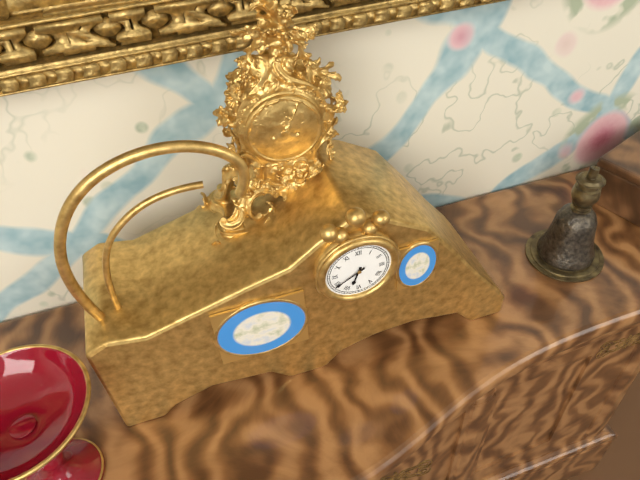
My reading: 6:40
